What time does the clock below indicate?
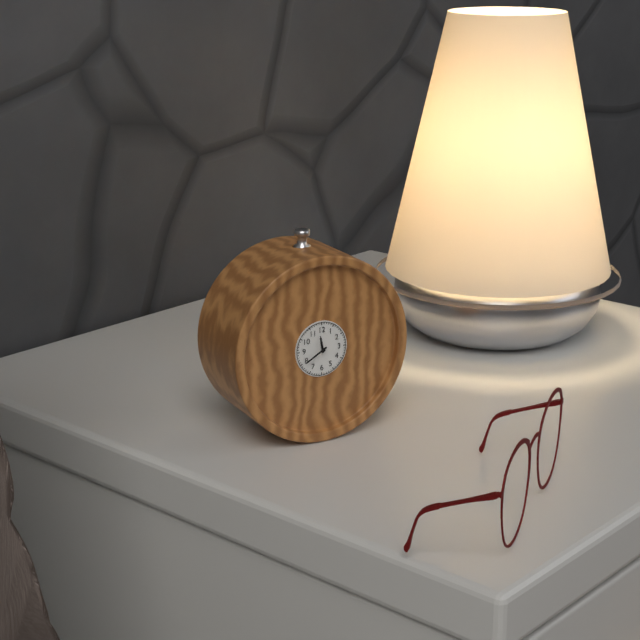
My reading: 11:40
